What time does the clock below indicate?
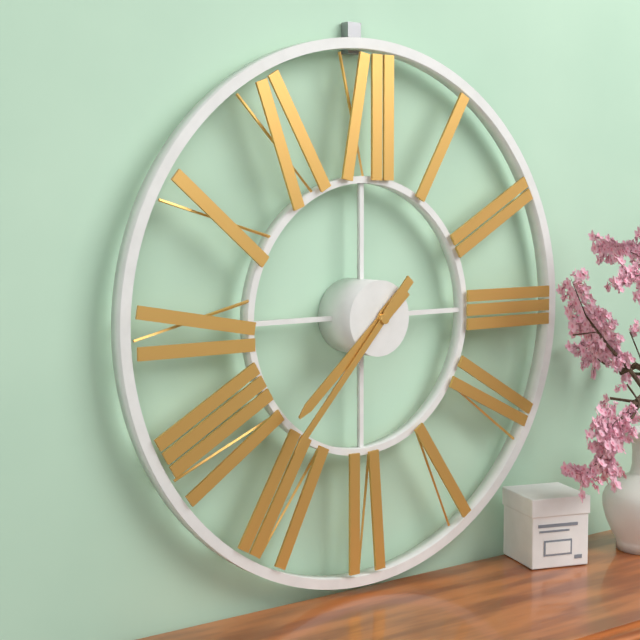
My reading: 7:37
